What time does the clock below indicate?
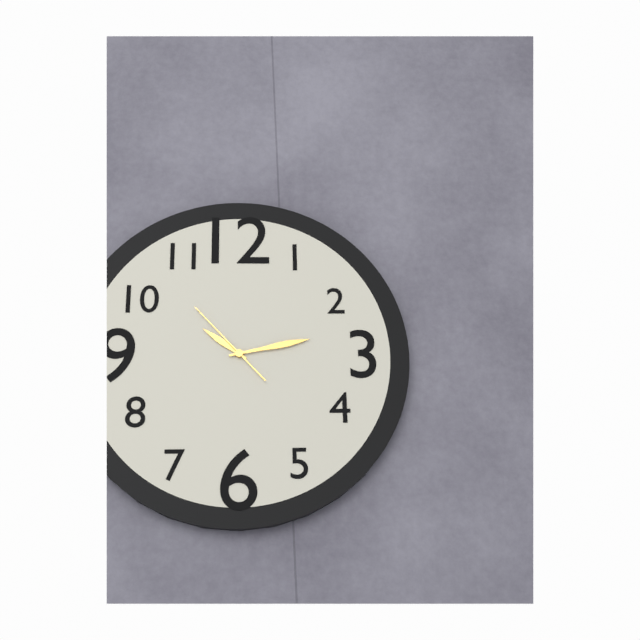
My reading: 10:13:53
